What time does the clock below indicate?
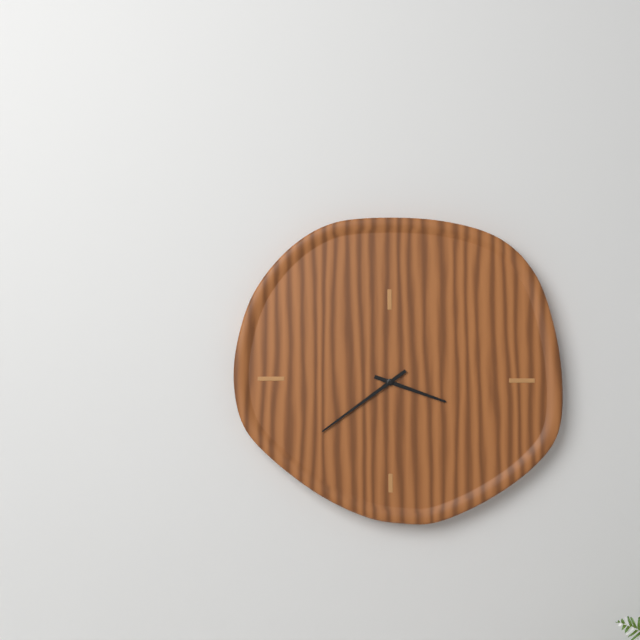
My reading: 3:39
